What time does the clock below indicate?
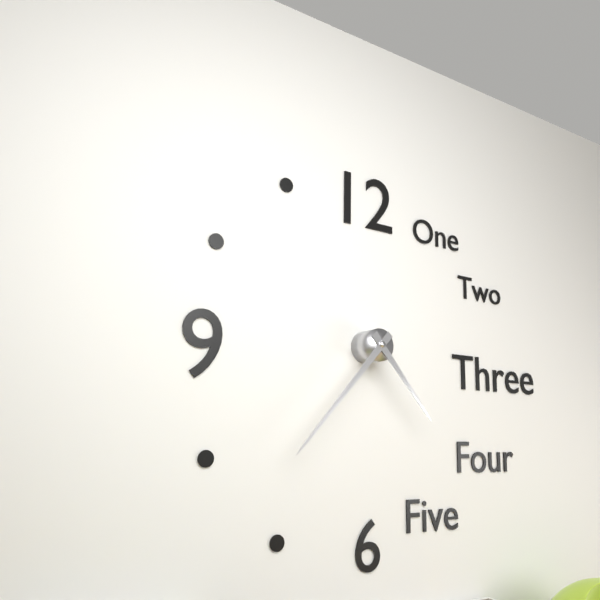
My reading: 4:37
